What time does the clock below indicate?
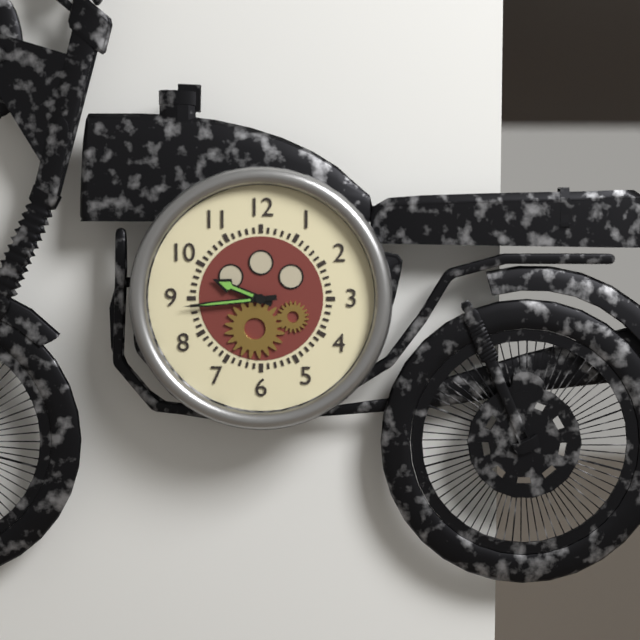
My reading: 9:44
